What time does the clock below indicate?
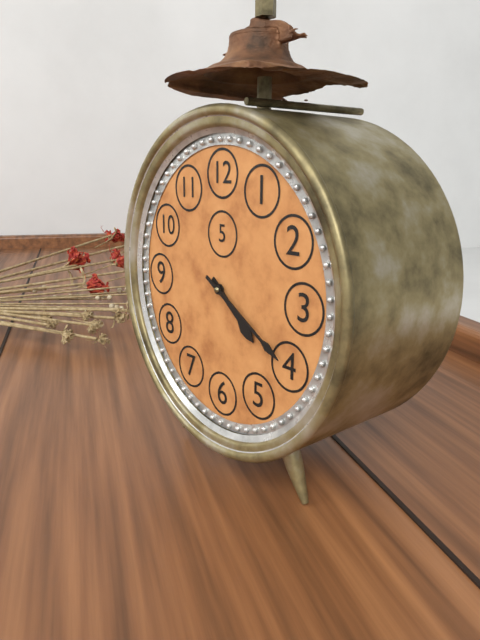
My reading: 4:20
